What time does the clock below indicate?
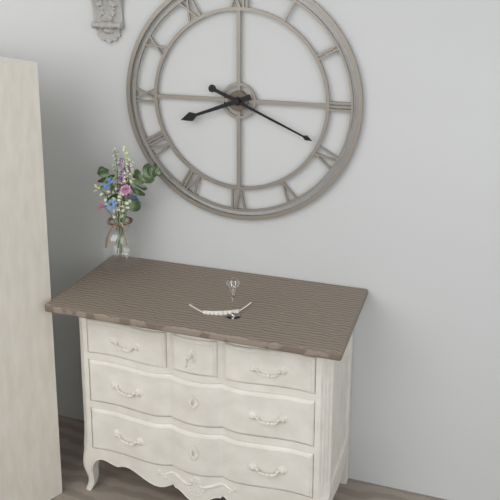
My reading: 8:19
